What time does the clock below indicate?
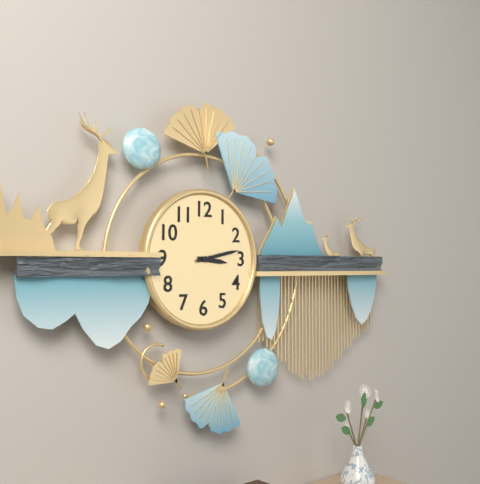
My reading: 3:13
